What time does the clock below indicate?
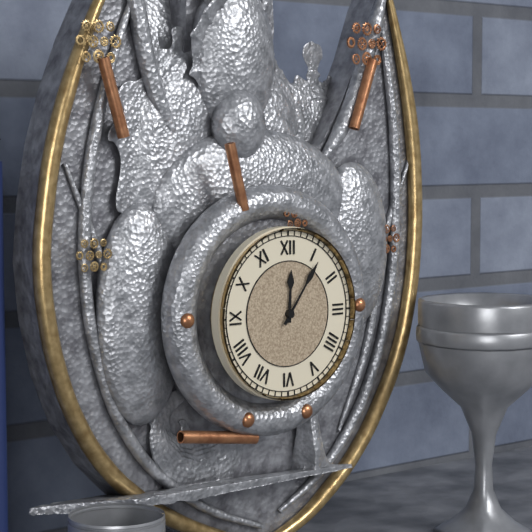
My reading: 12:06
